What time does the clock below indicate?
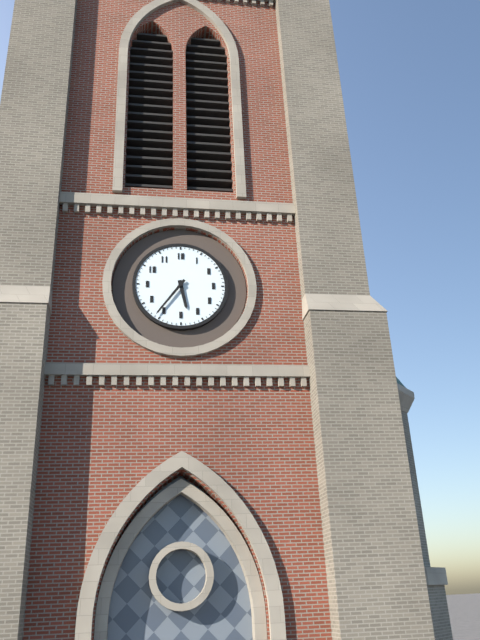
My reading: 5:36
